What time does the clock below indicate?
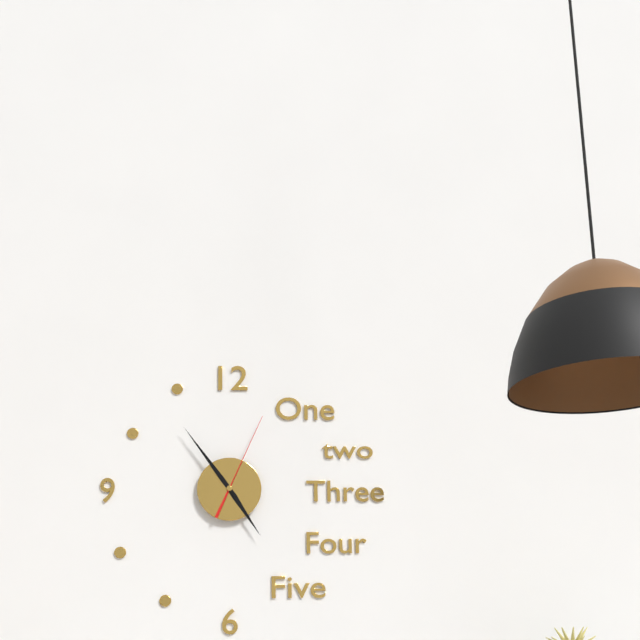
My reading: 4:54:04
